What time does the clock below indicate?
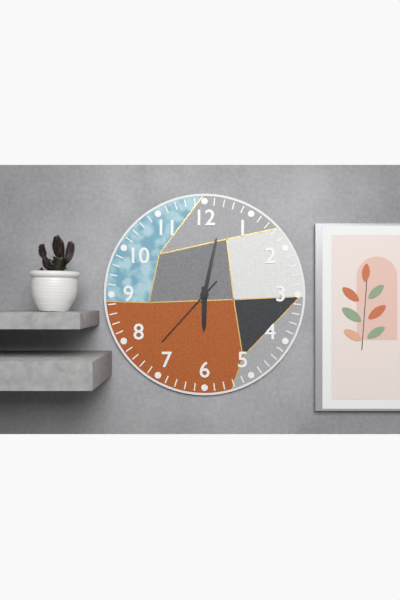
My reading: 6:02:37
